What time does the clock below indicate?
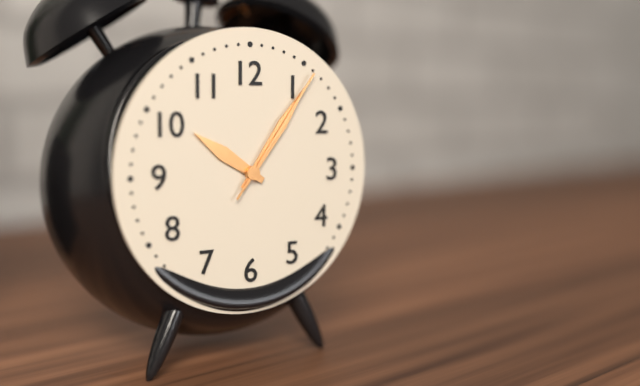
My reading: 10:06:06
